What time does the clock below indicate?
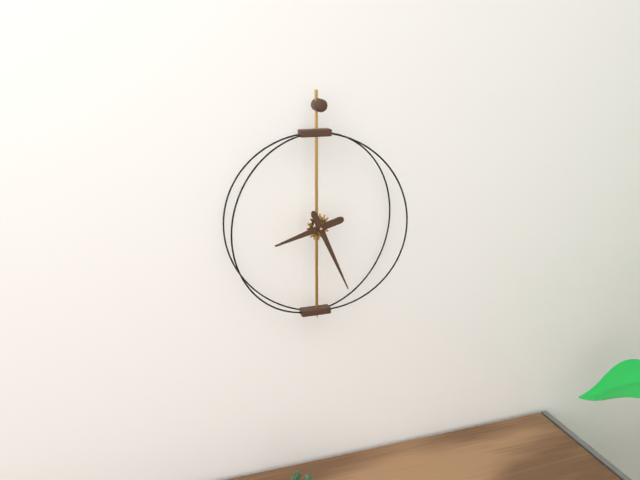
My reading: 8:26
